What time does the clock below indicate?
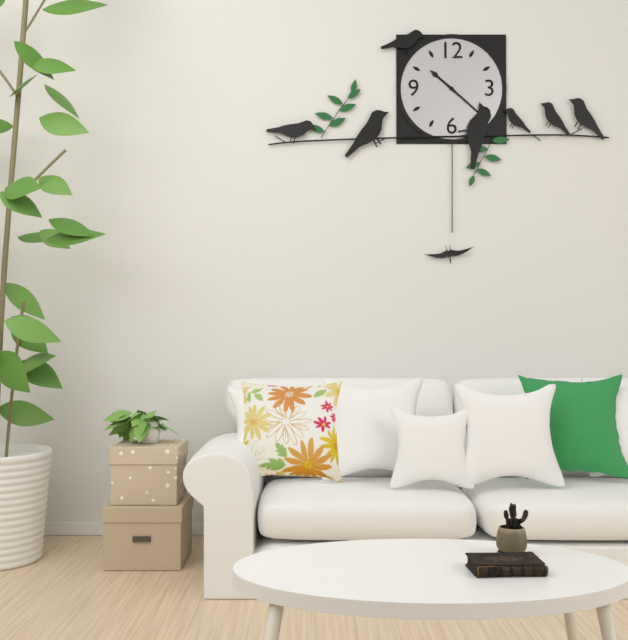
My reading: 10:22
